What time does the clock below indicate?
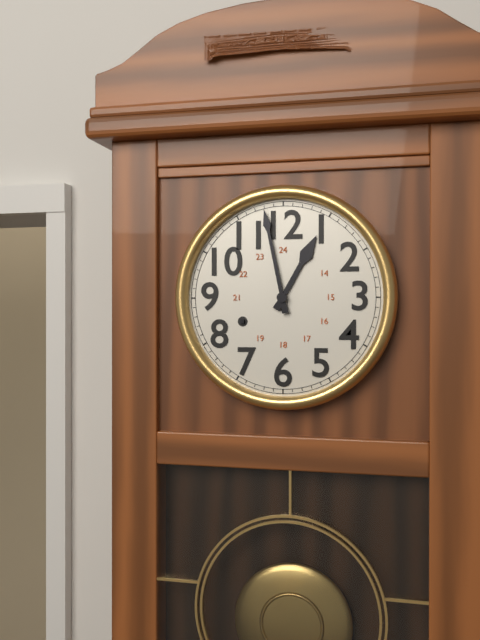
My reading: 12:58
